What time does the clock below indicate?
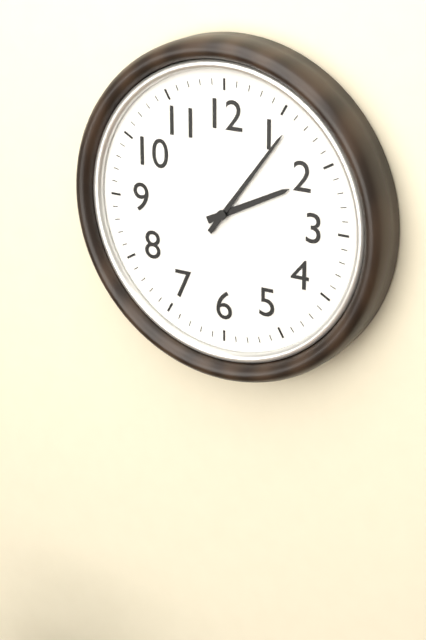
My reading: 2:06
